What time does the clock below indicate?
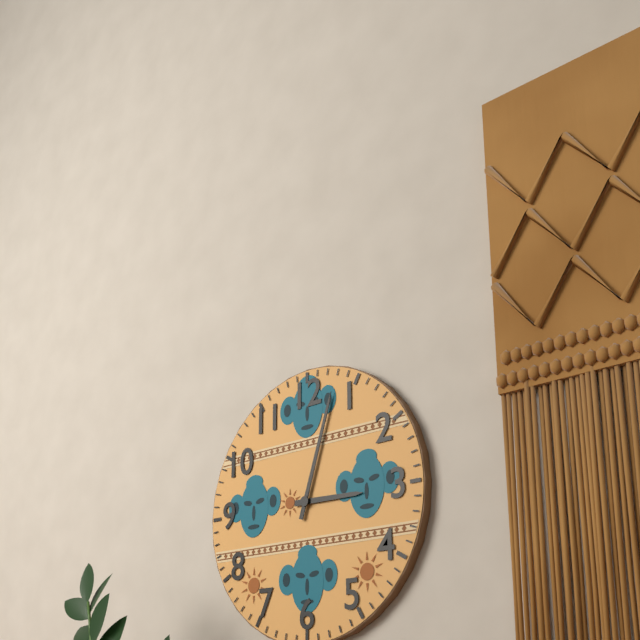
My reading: 3:03
